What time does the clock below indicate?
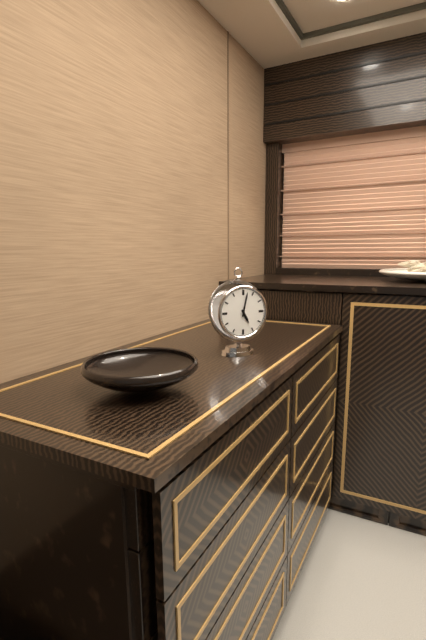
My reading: 5:02
